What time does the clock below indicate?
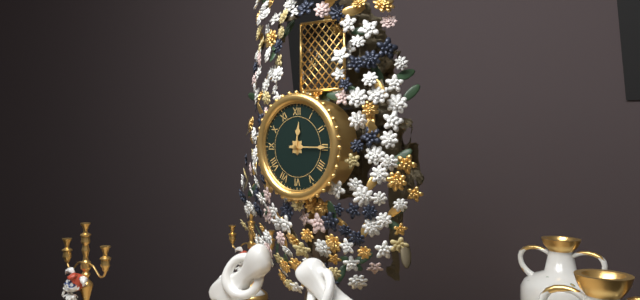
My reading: 12:15
